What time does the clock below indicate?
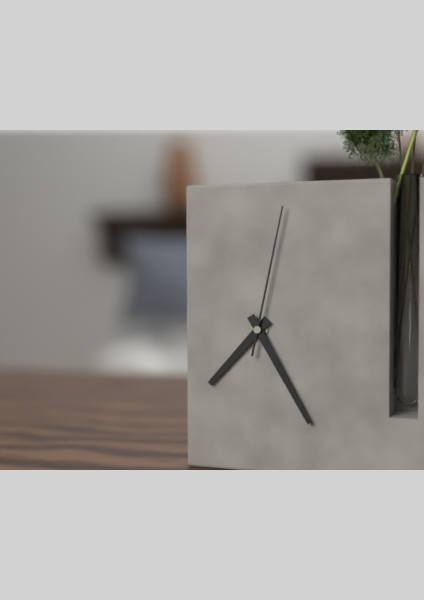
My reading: 7:25:02
